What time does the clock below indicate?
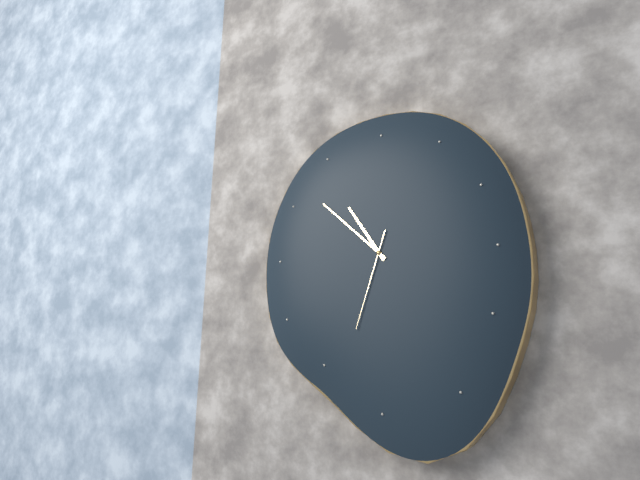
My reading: 10:52:33
